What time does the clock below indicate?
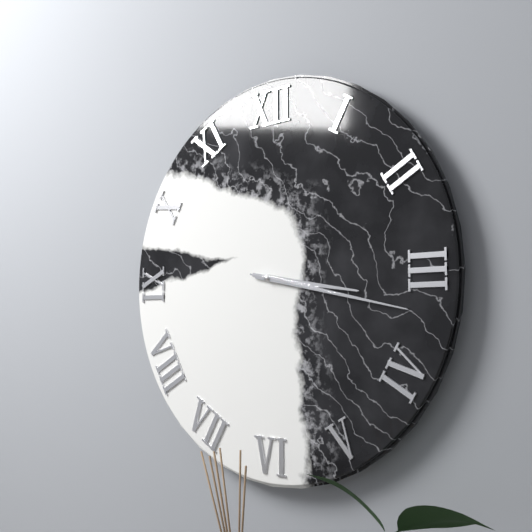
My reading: 3:17:17
